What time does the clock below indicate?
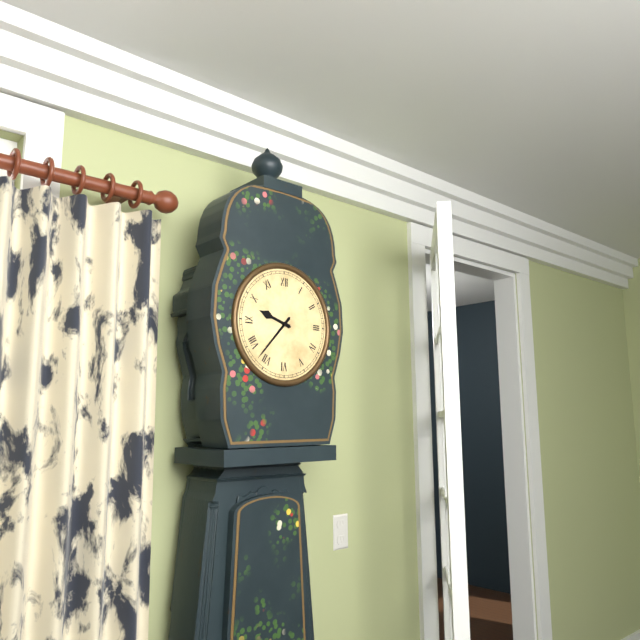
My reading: 9:37
